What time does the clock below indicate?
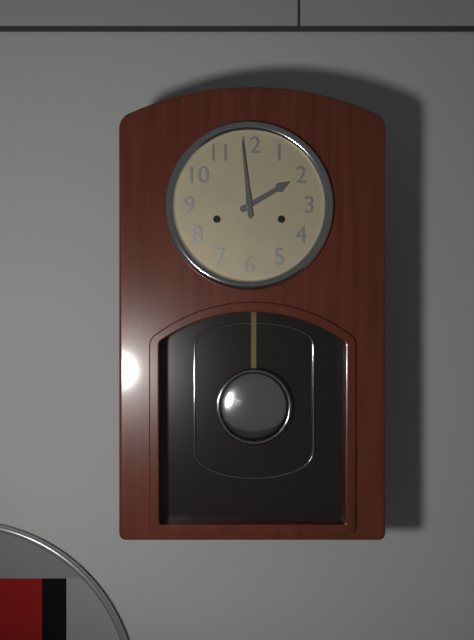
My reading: 1:59
